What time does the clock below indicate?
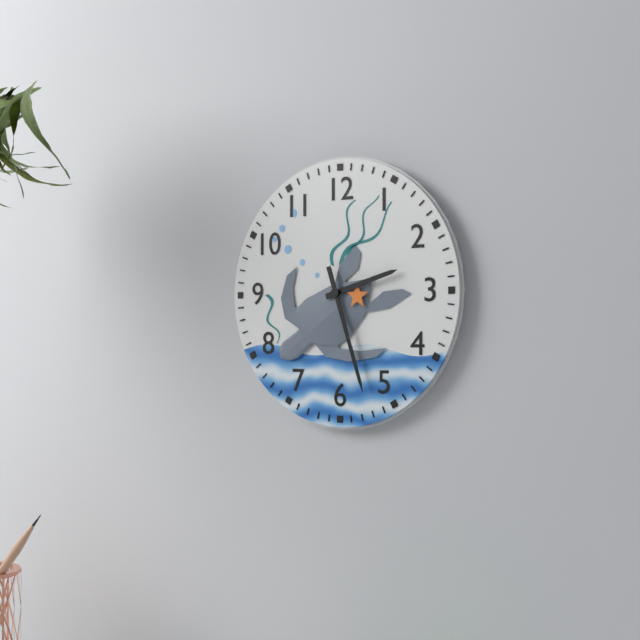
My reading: 2:27
